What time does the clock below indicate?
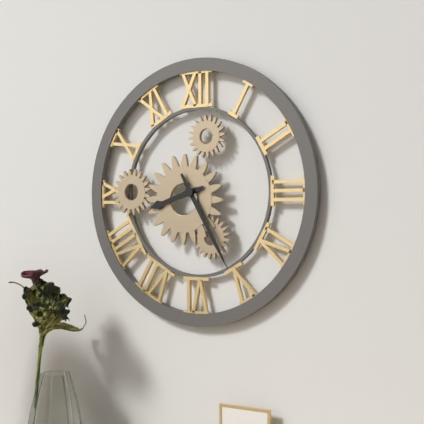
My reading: 8:25
